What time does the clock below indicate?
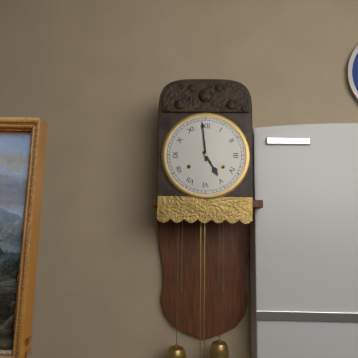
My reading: 4:59
